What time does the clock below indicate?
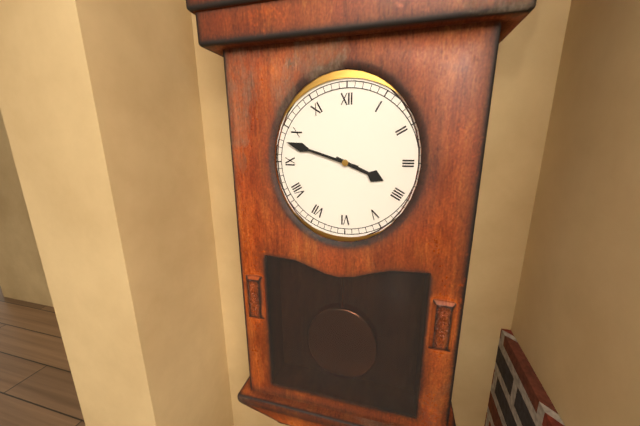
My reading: 3:48
